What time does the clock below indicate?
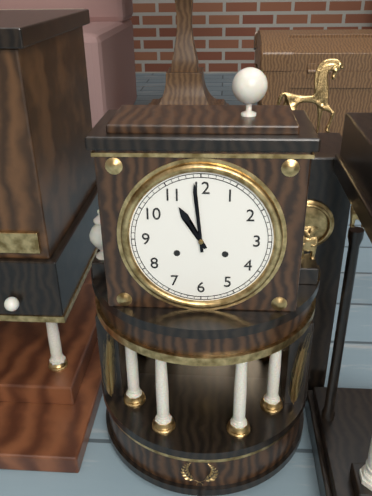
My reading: 10:59
